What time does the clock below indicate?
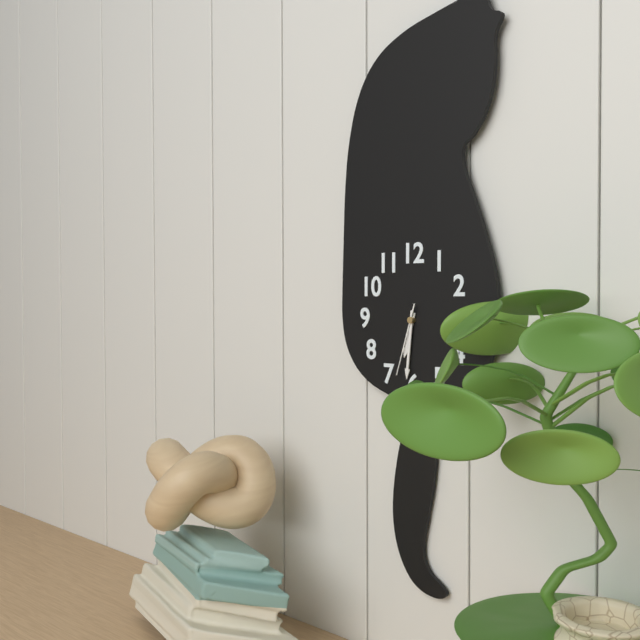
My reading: 6:31:33
